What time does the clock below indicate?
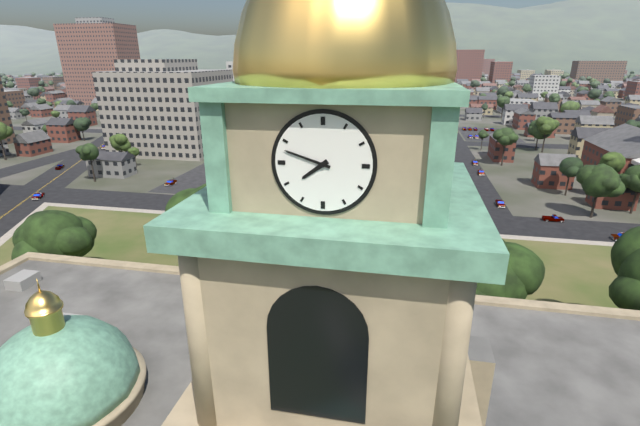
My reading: 7:48
